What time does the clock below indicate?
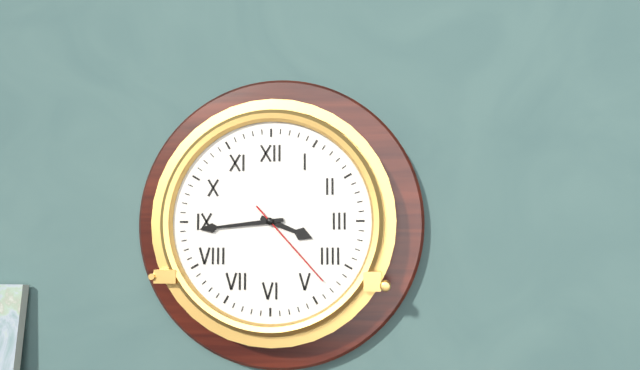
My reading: 3:44:23
